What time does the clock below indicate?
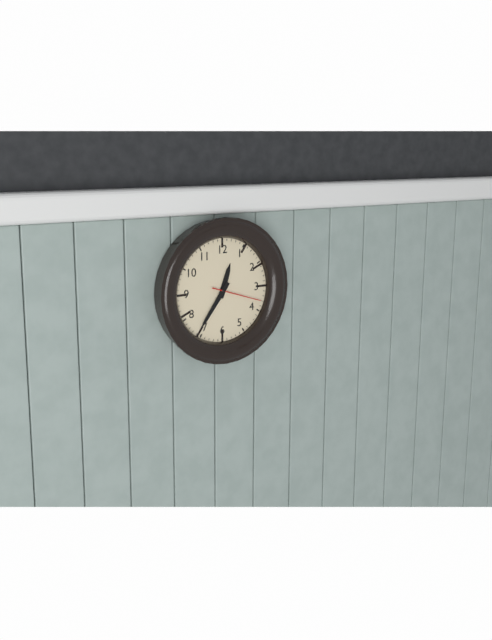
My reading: 12:36:18
